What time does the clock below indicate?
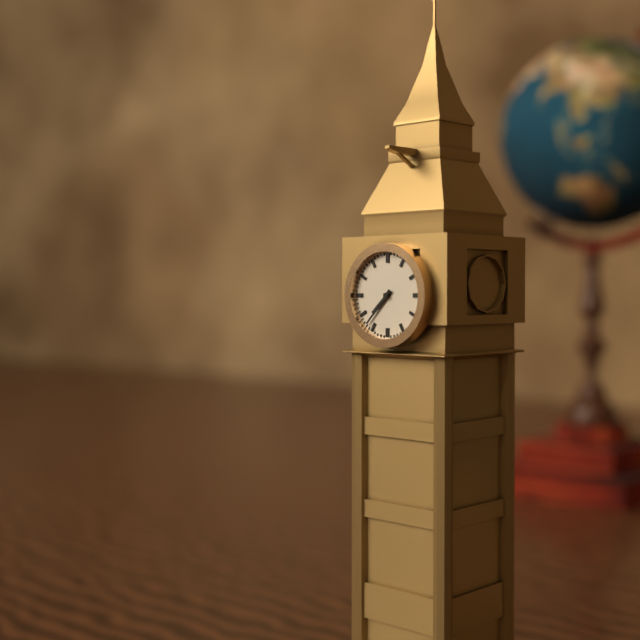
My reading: 7:37
